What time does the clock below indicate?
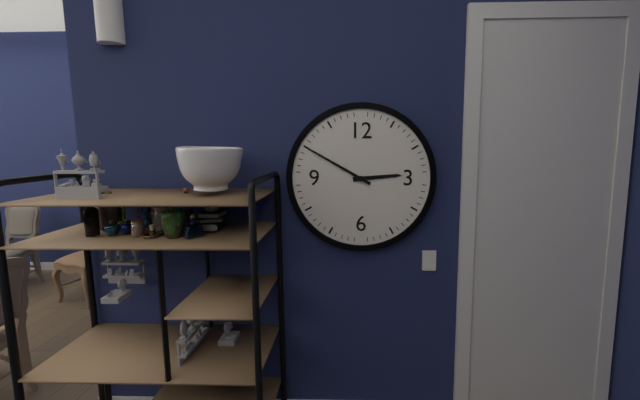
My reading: 2:50
